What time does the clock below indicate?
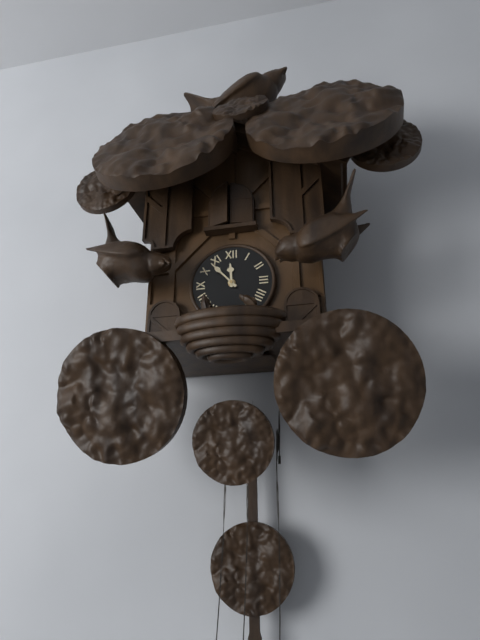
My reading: 11:53
